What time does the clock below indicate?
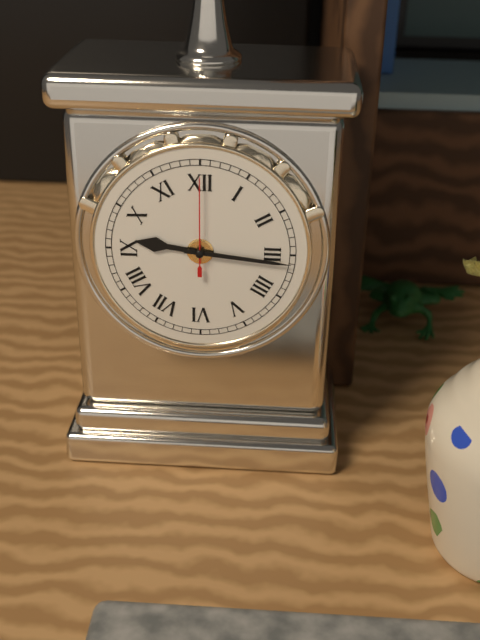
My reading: 9:16:00
